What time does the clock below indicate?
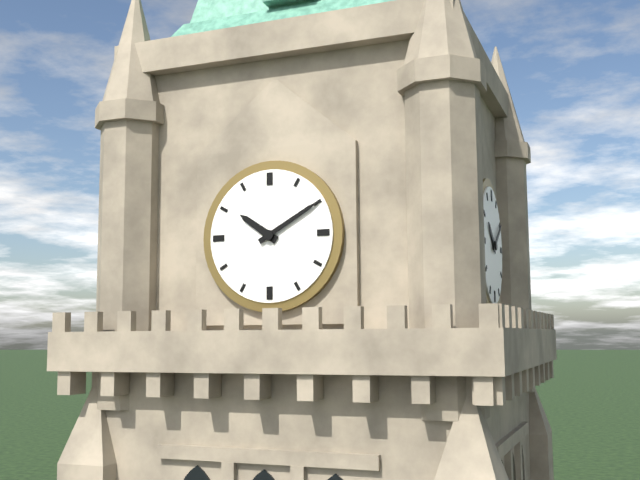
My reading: 10:10
